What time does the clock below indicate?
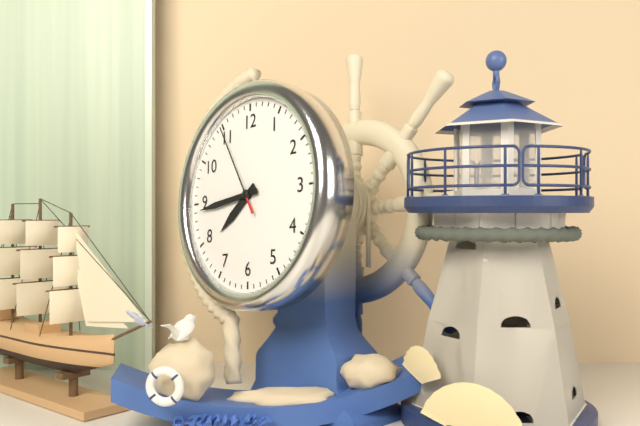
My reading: 7:44:55
